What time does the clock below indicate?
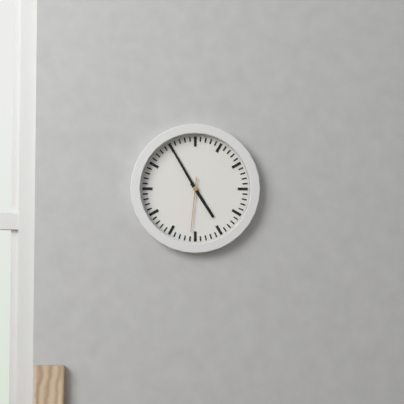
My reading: 4:55:31
